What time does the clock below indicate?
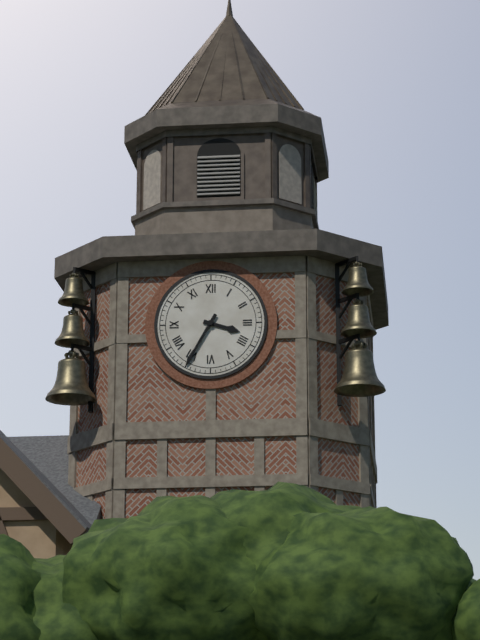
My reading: 3:35
